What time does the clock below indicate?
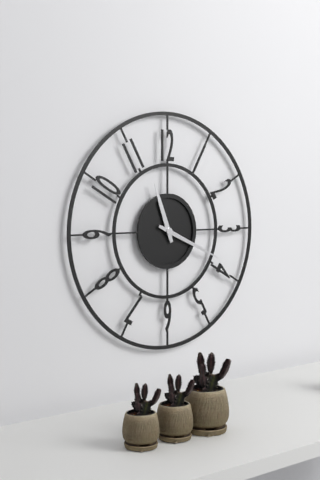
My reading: 11:19
